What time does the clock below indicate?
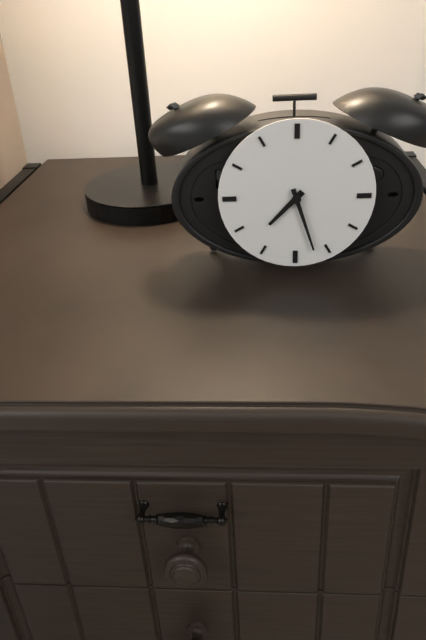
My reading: 7:27
